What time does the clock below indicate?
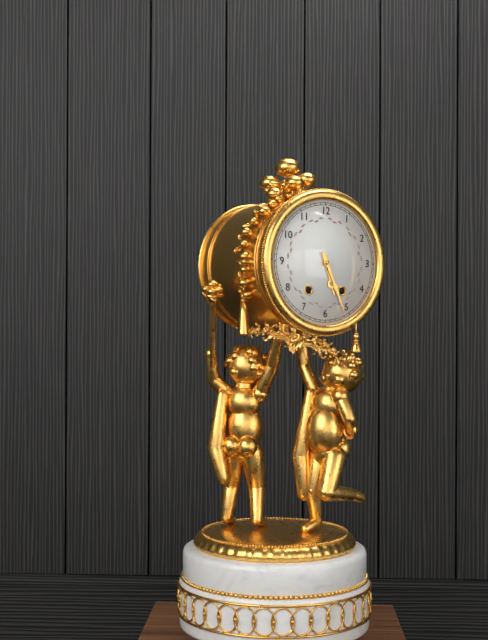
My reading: 5:26
